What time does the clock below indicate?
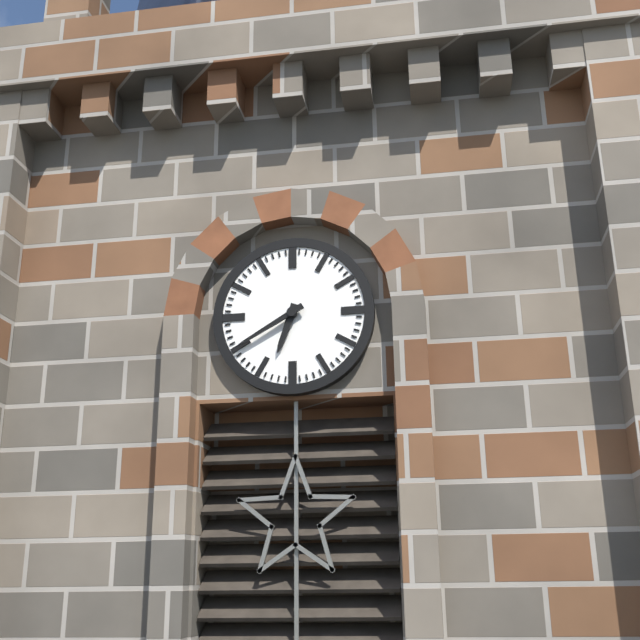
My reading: 6:40
